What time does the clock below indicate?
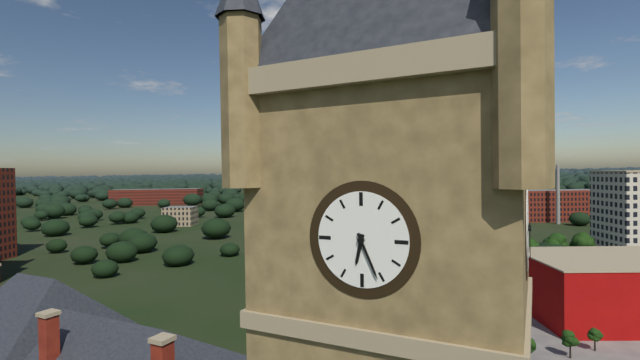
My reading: 6:26
